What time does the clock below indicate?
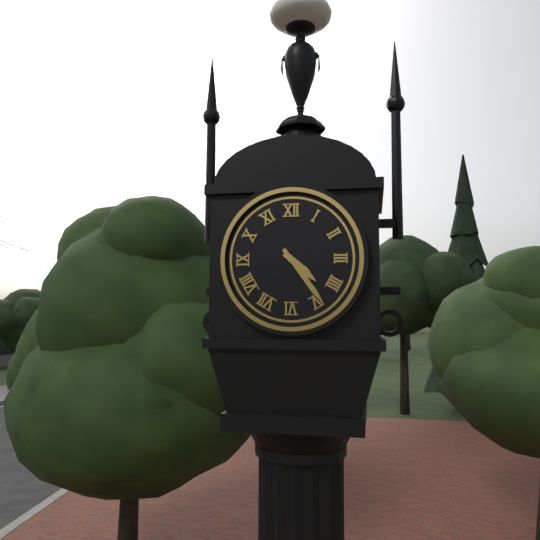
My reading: 4:24
